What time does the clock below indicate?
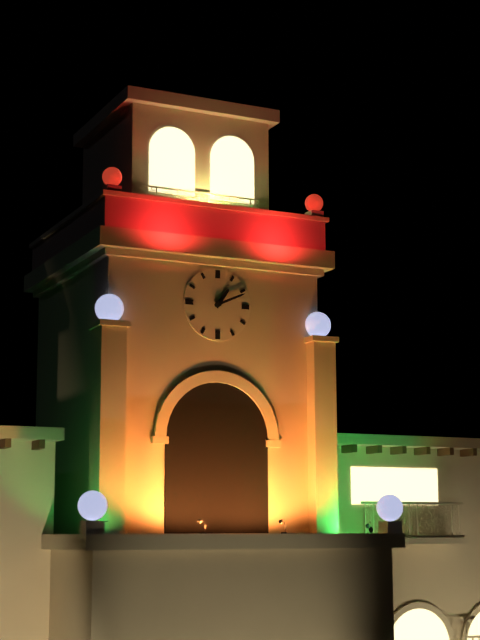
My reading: 1:11
